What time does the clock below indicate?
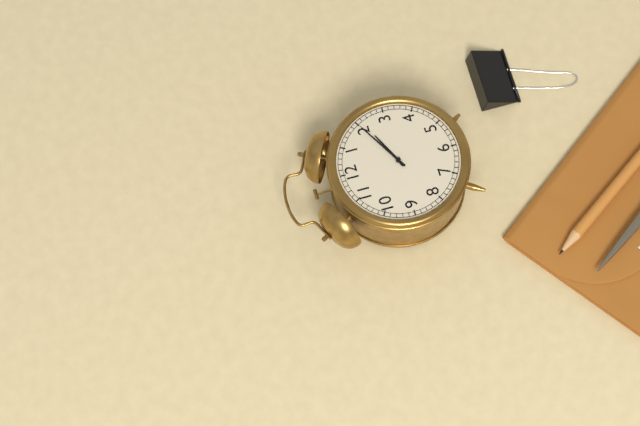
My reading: 2:10
